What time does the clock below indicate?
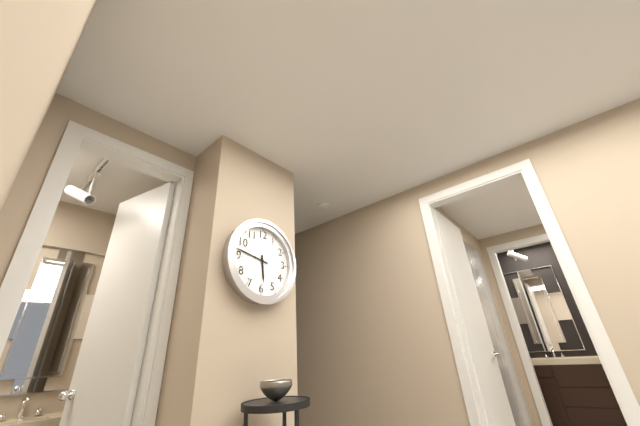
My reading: 5:47
